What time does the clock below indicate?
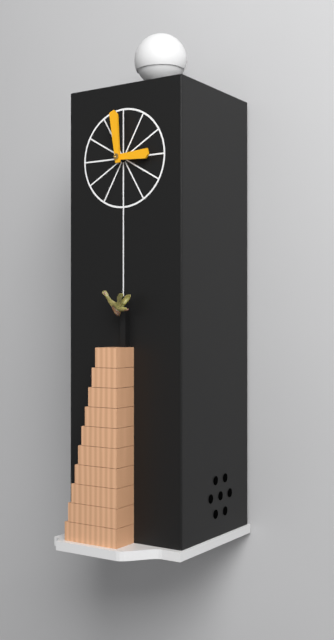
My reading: 2:59
